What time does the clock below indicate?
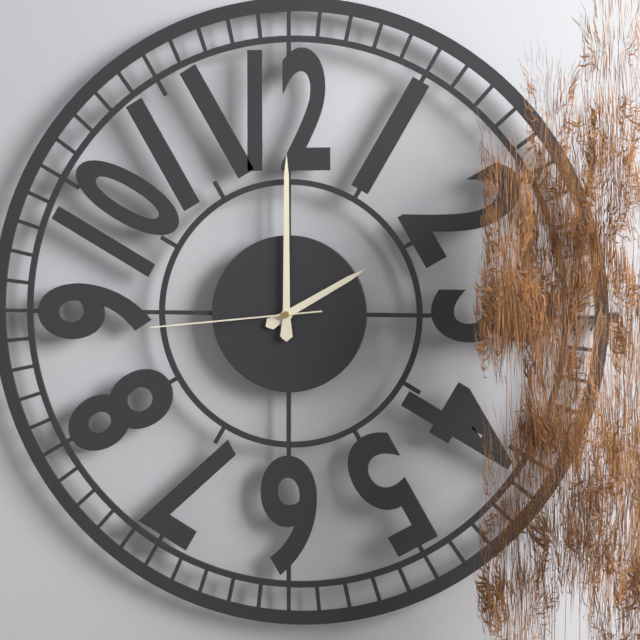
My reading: 2:00:44
